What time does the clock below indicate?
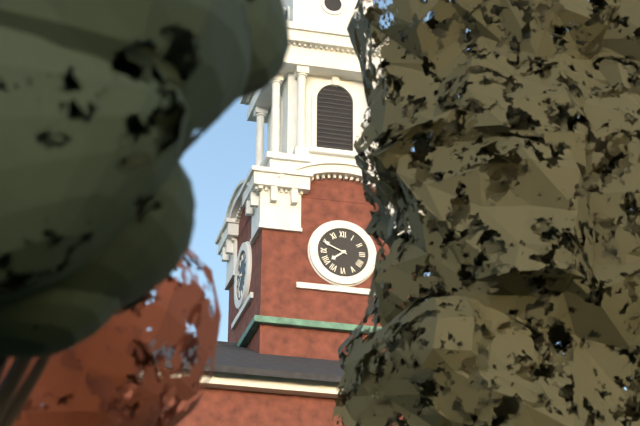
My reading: 7:49
